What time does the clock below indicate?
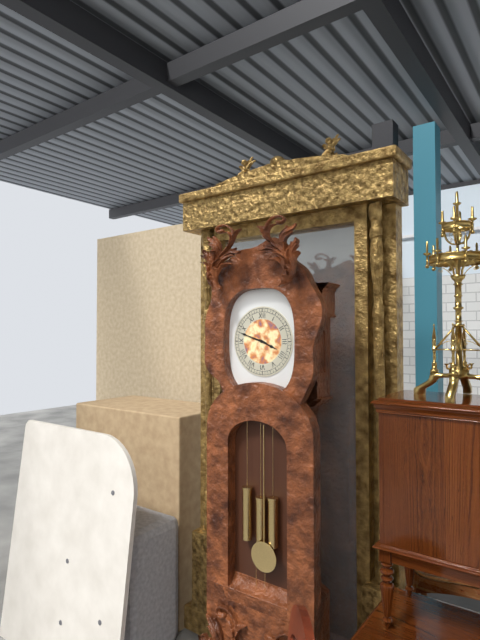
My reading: 3:48
